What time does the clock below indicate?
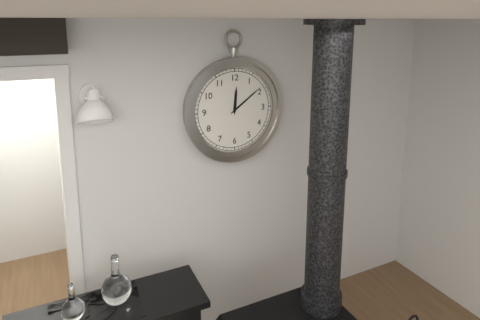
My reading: 12:09
